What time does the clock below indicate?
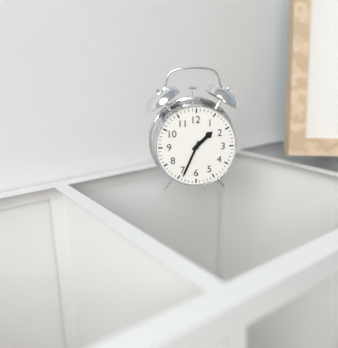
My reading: 1:34
